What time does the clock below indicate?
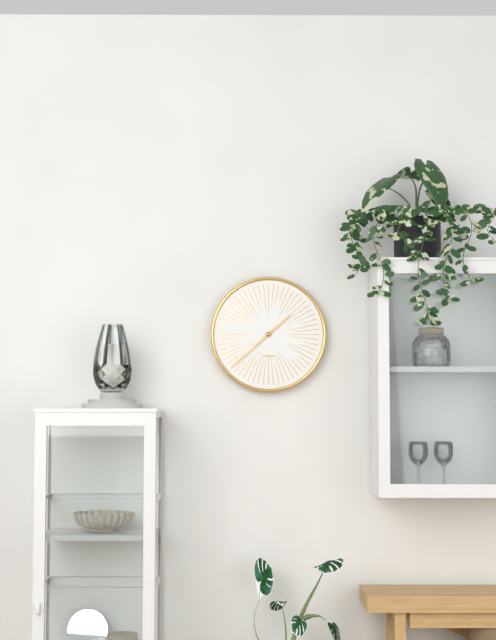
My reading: 1:38
